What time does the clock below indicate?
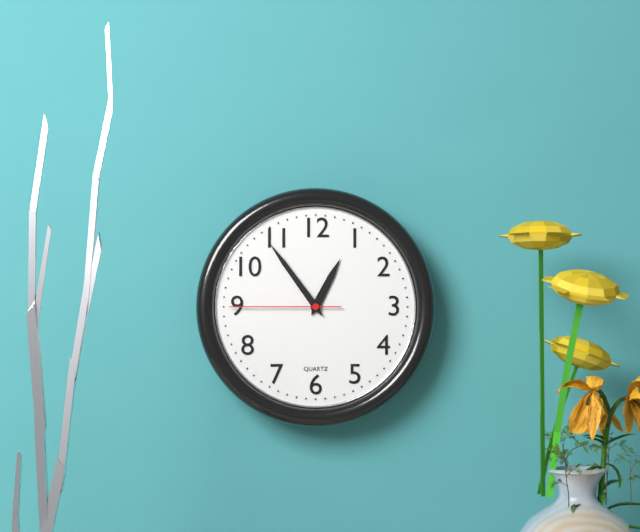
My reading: 12:54:45
